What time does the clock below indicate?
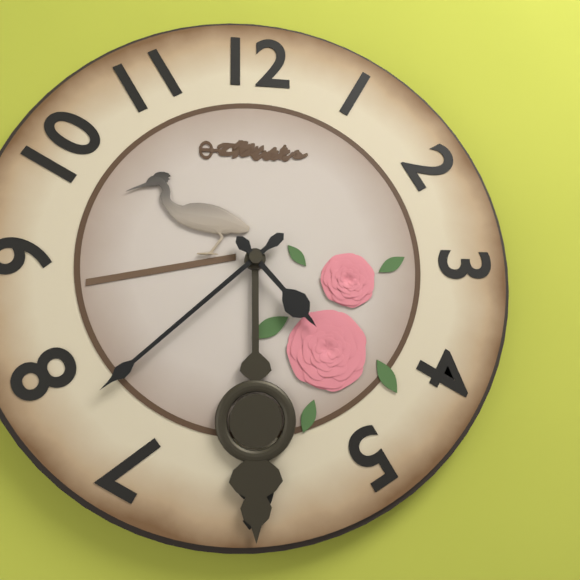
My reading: 4:38
